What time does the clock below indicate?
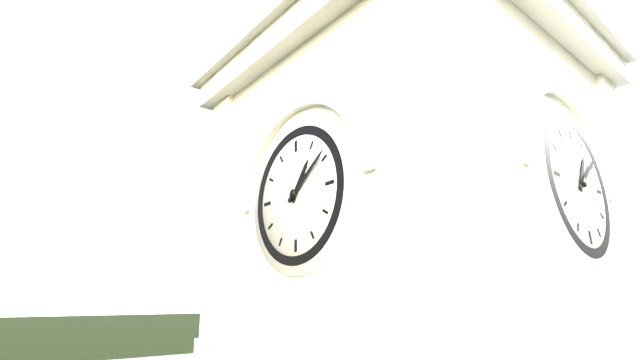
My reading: 1:09
